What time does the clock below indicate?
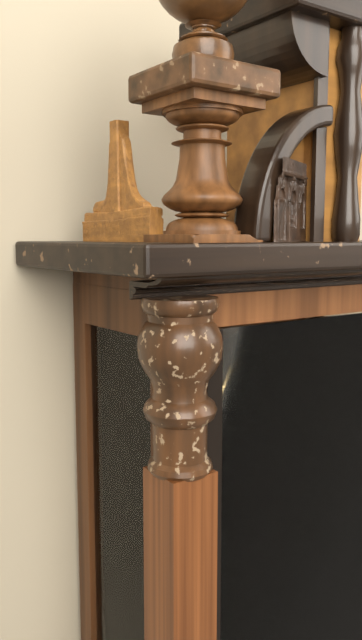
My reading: 4:12
